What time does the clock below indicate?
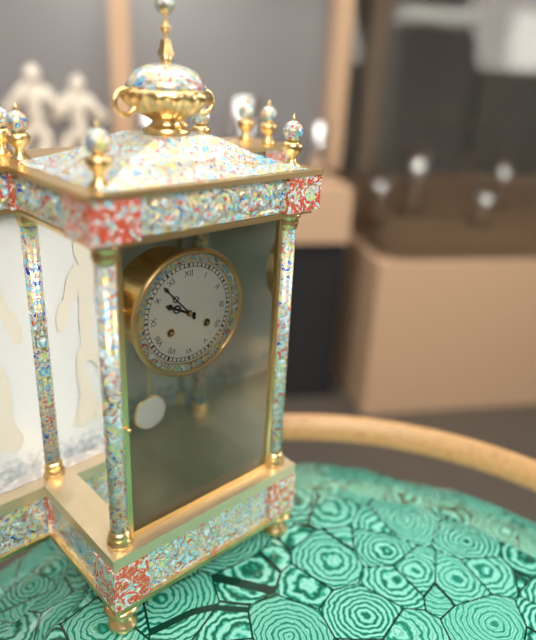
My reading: 9:53
